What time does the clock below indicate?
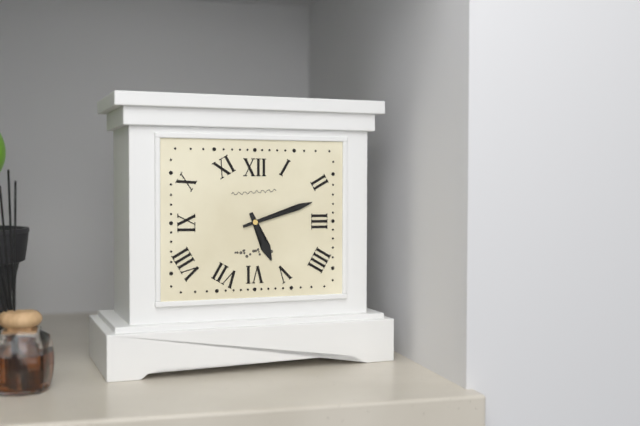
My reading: 5:12
